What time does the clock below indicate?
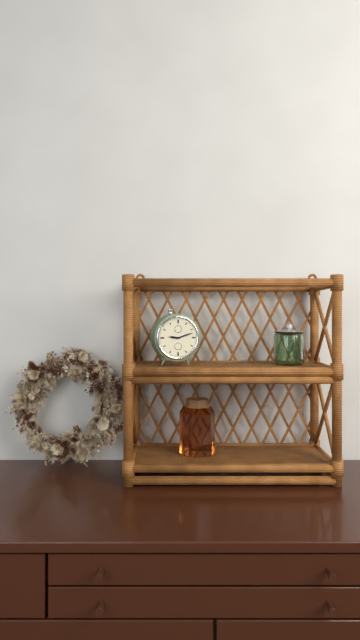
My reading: 9:12
